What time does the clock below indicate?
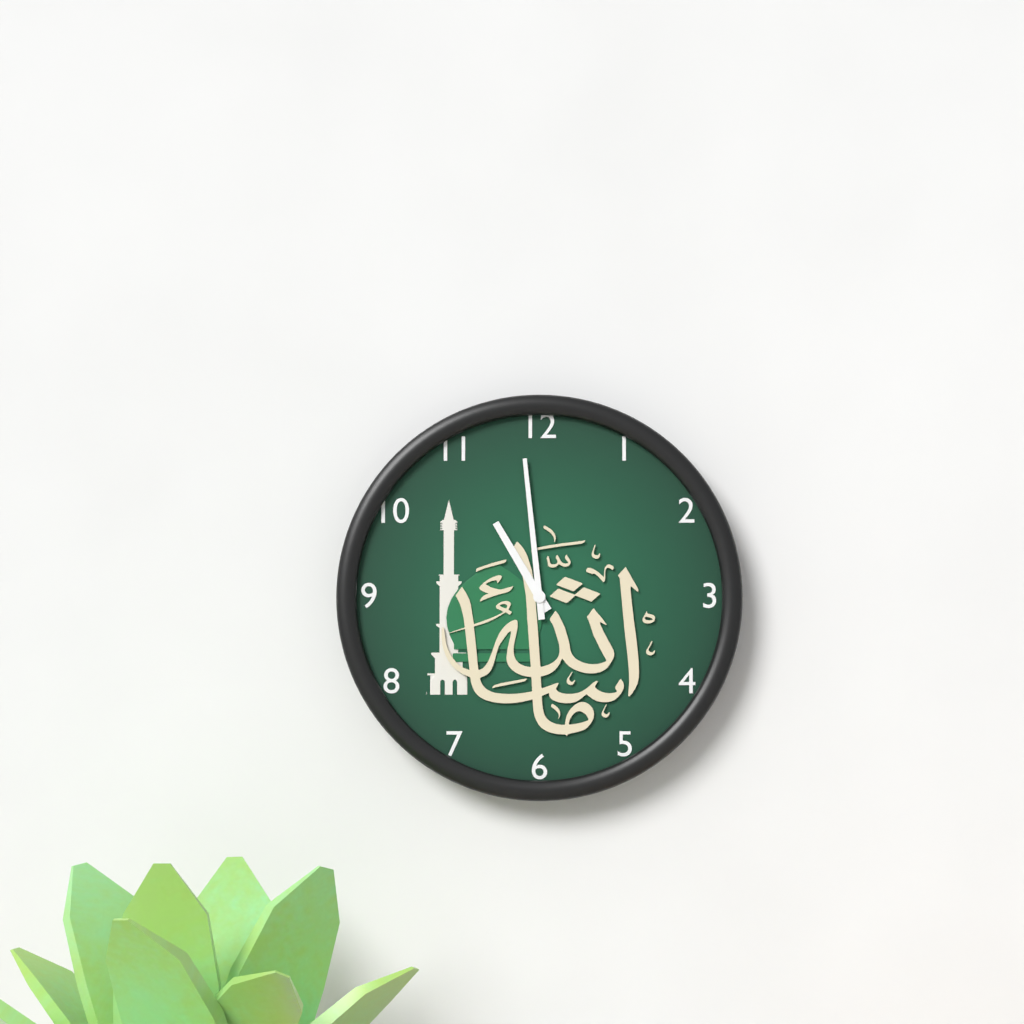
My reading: 10:59
